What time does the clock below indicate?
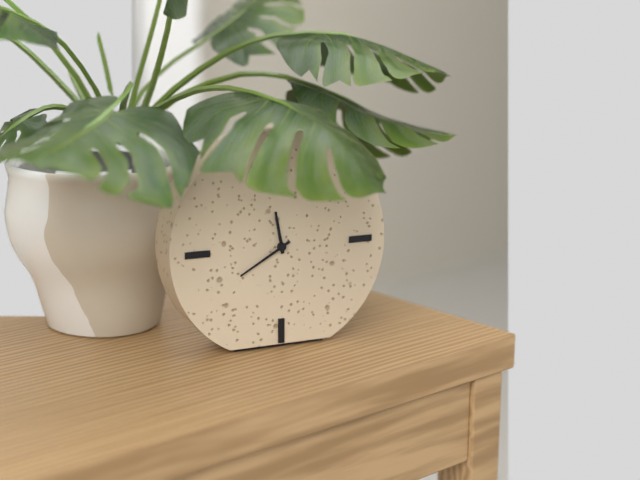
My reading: 11:40
